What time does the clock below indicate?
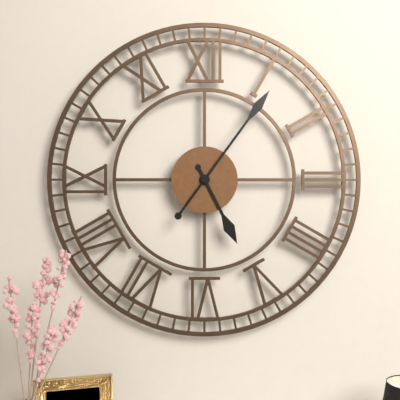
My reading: 5:06
